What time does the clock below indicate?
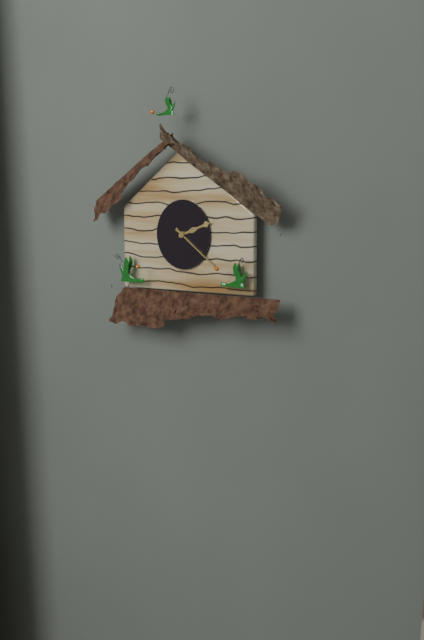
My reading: 2:21
